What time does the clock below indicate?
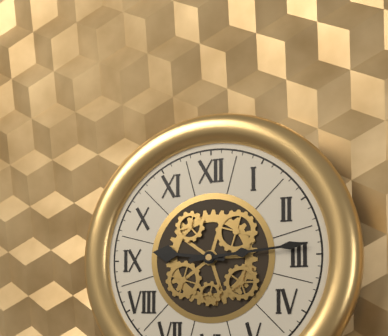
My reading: 9:14
